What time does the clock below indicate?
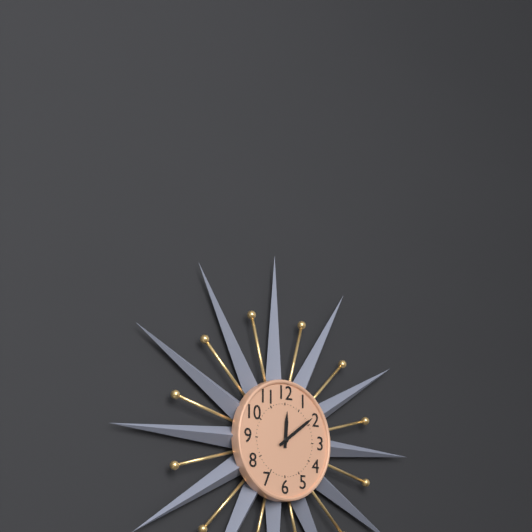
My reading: 12:09
